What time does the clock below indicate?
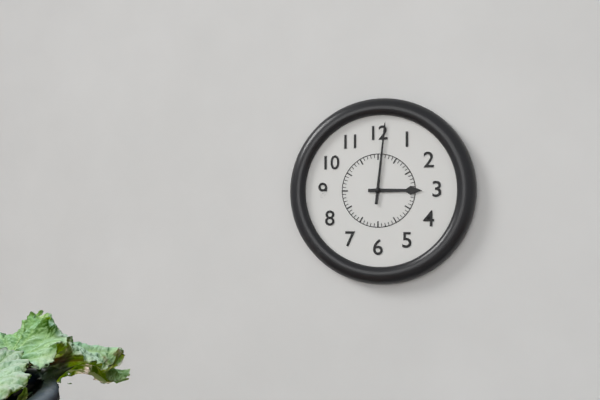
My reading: 3:01
